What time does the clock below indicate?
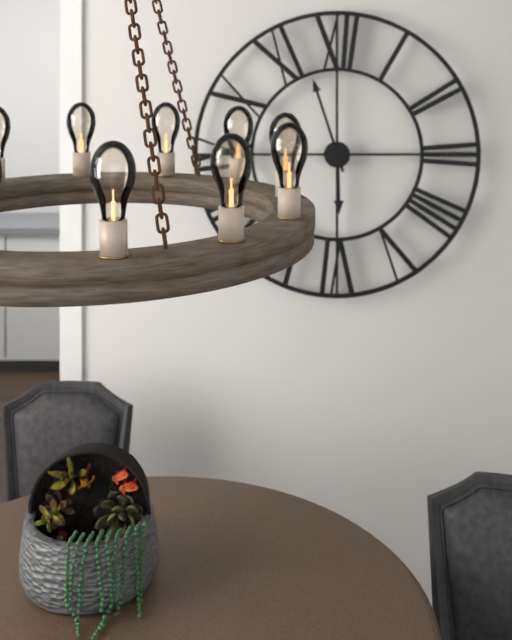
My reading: 5:57
